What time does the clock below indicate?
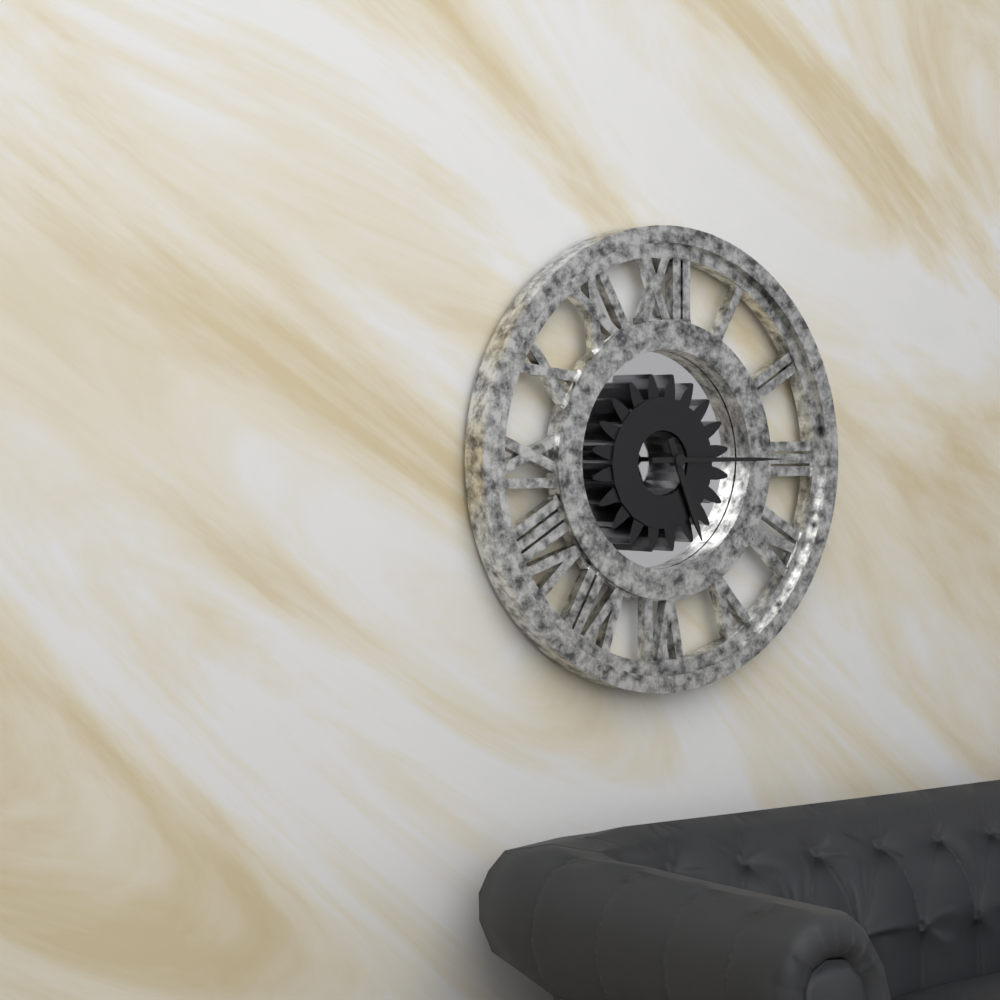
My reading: 5:15
